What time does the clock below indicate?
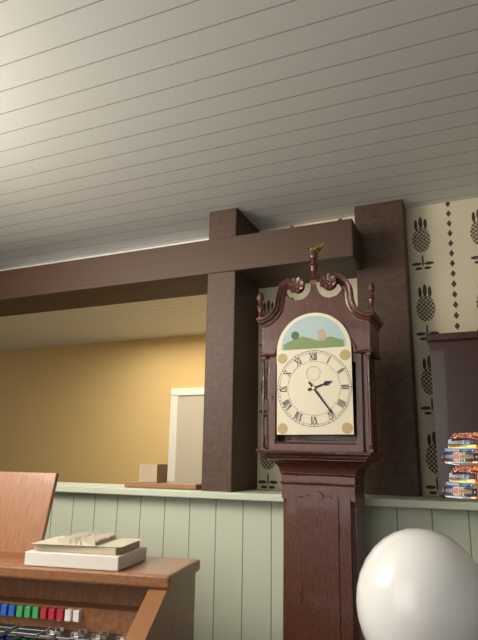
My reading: 2:24
